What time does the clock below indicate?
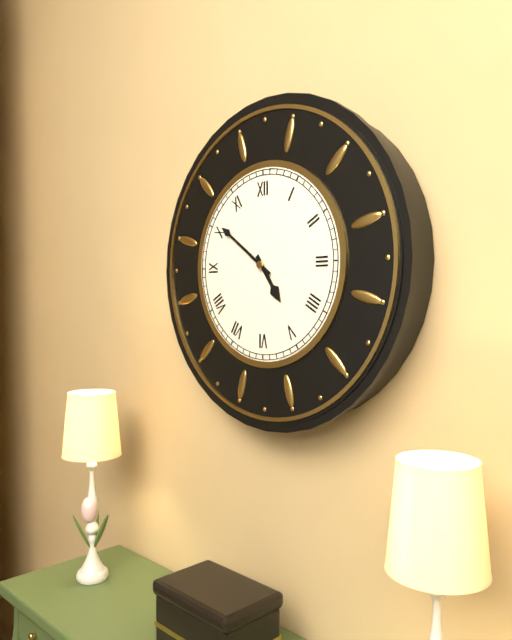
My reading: 4:51
